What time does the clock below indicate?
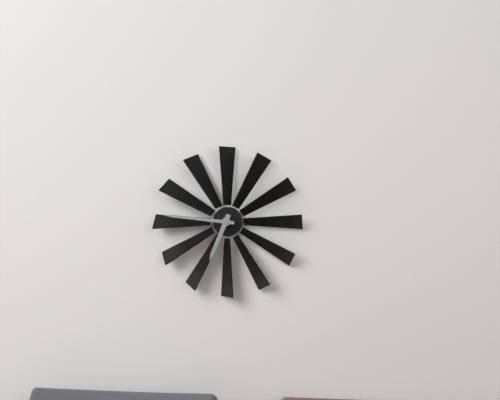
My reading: 6:46
